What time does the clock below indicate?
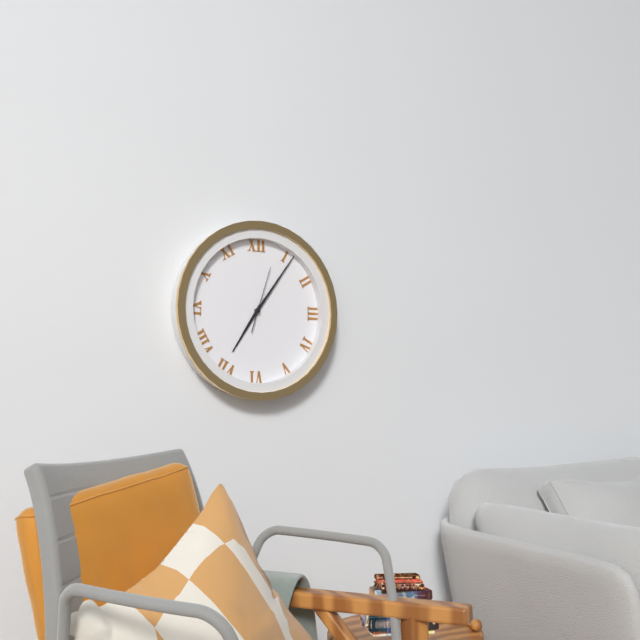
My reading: 7:06:03
